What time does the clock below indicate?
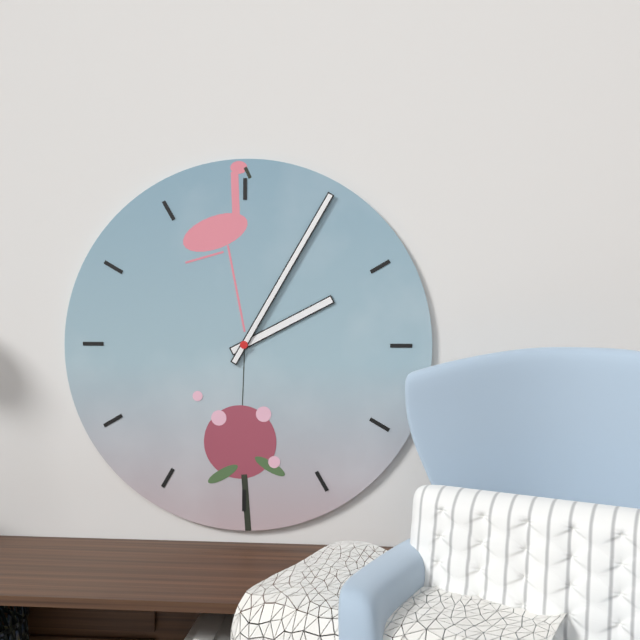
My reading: 2:05
